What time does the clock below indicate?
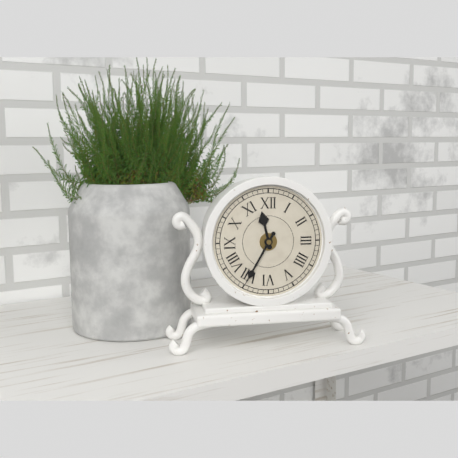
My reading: 11:35
